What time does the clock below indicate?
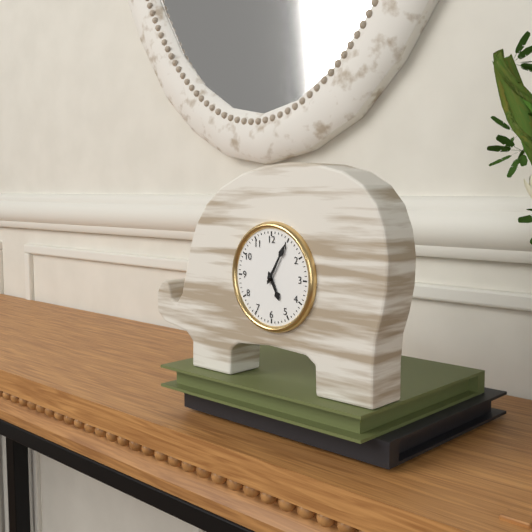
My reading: 5:05
